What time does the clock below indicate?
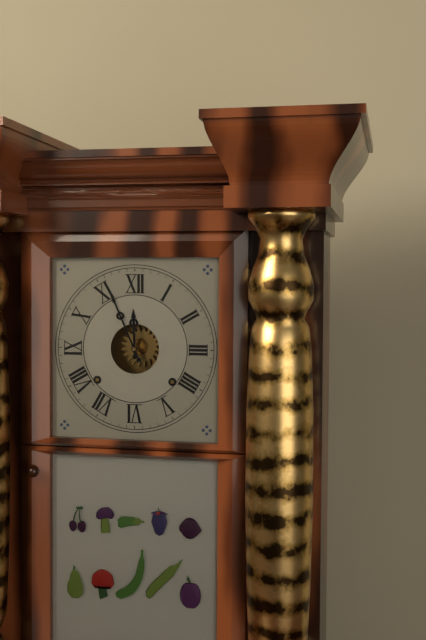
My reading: 11:56
